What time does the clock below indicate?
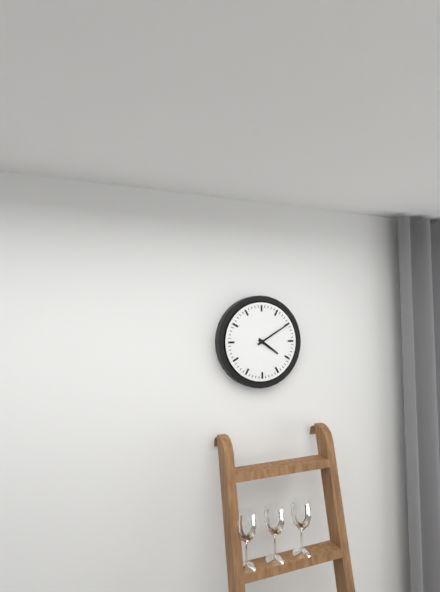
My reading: 4:10
